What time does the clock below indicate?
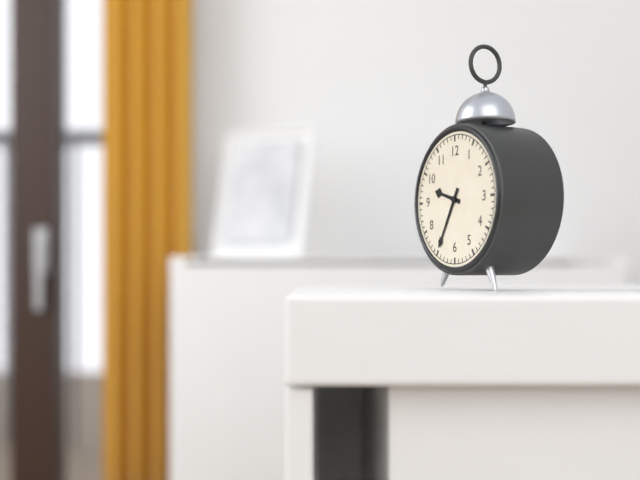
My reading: 9:35
